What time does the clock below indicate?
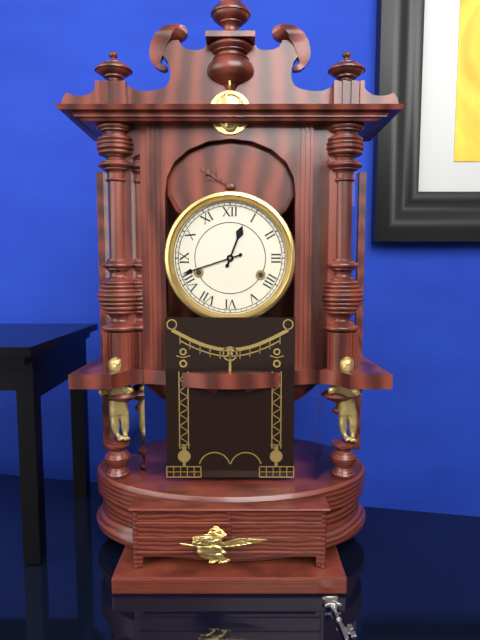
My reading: 12:42
